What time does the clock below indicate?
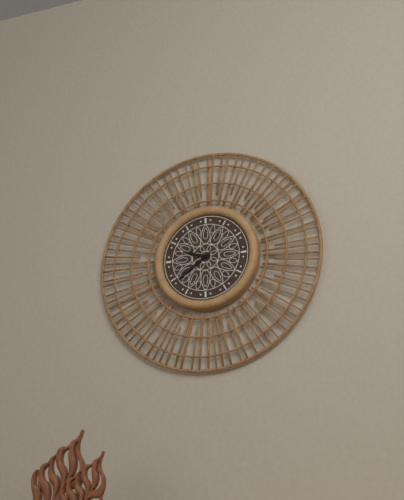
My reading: 9:39
